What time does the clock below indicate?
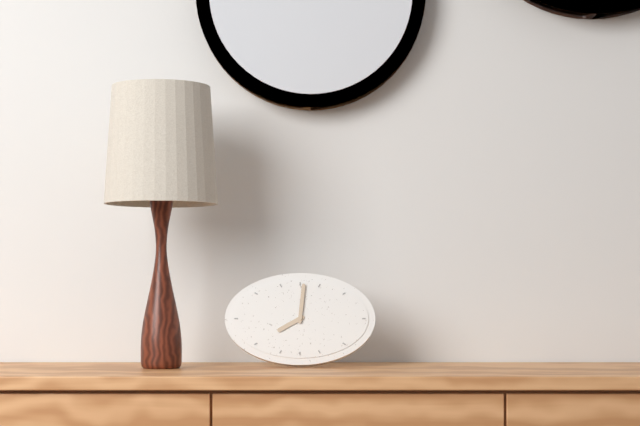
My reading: 8:01
